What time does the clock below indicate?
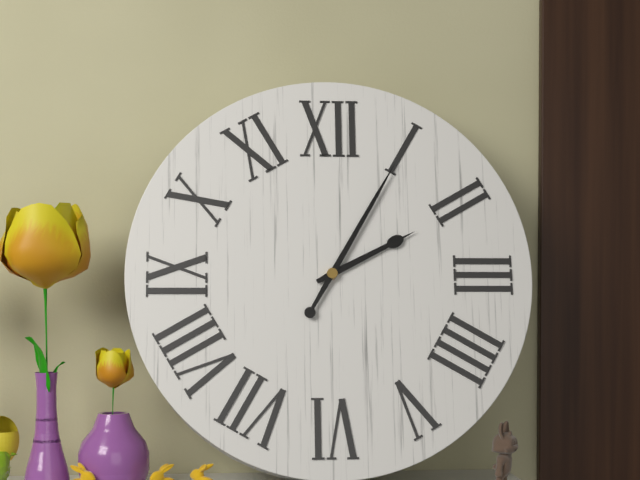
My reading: 2:05
